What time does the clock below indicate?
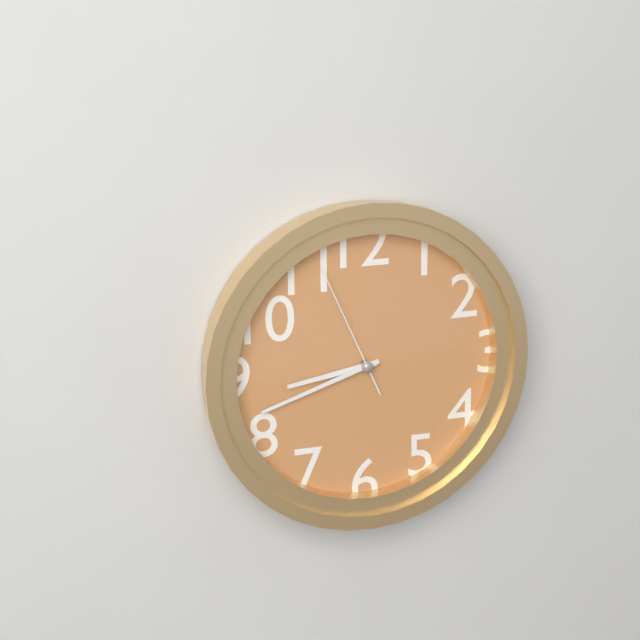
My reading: 8:42:56
